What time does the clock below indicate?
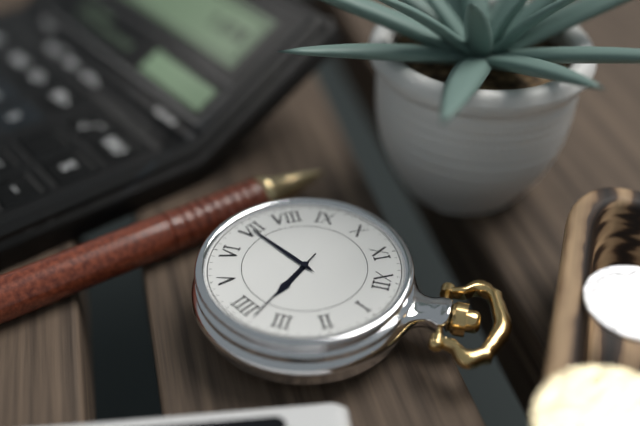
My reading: 3:35:18
